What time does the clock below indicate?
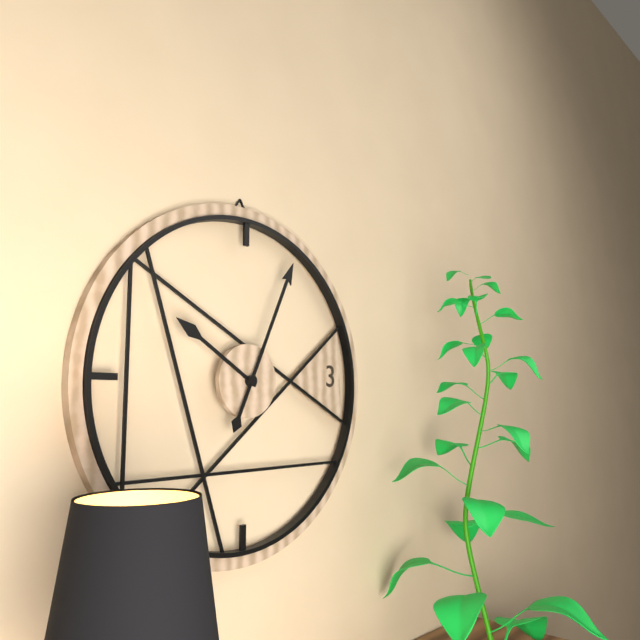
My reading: 10:04
